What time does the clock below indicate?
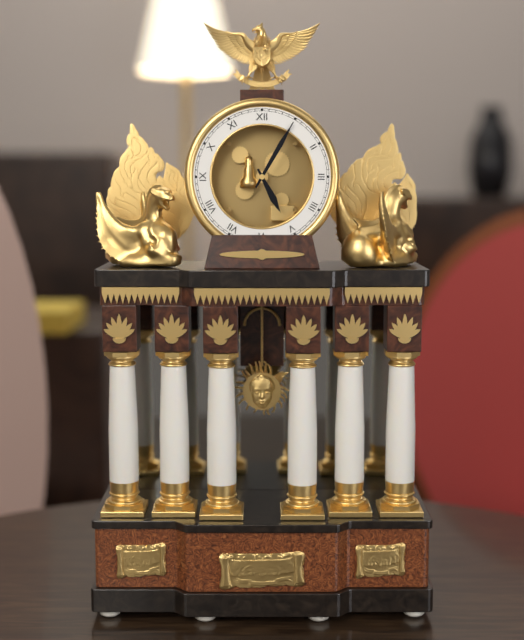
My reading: 5:05
